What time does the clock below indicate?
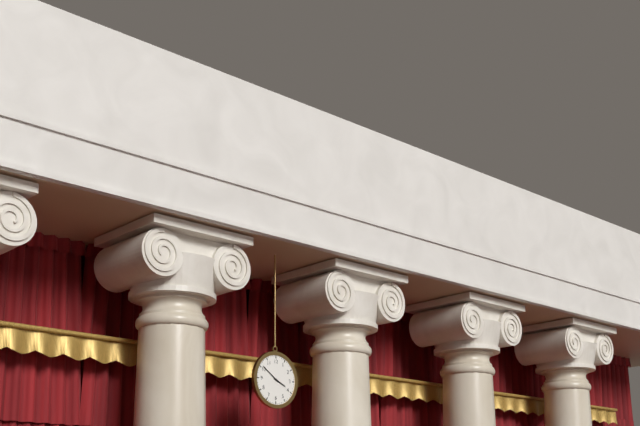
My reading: 3:51
